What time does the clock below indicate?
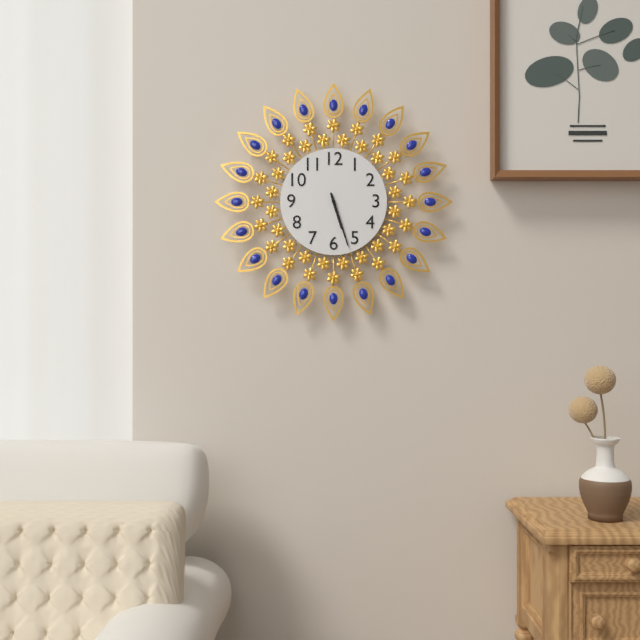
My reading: 5:27
